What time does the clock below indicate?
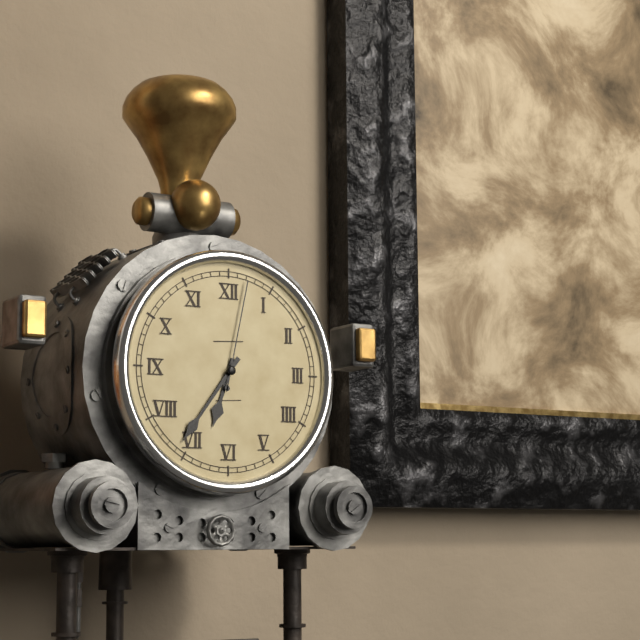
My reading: 6:36:02
